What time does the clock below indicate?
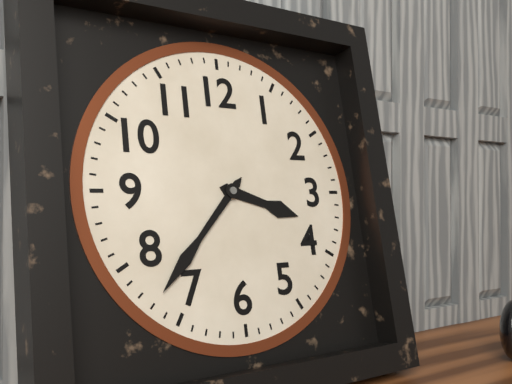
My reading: 3:37
